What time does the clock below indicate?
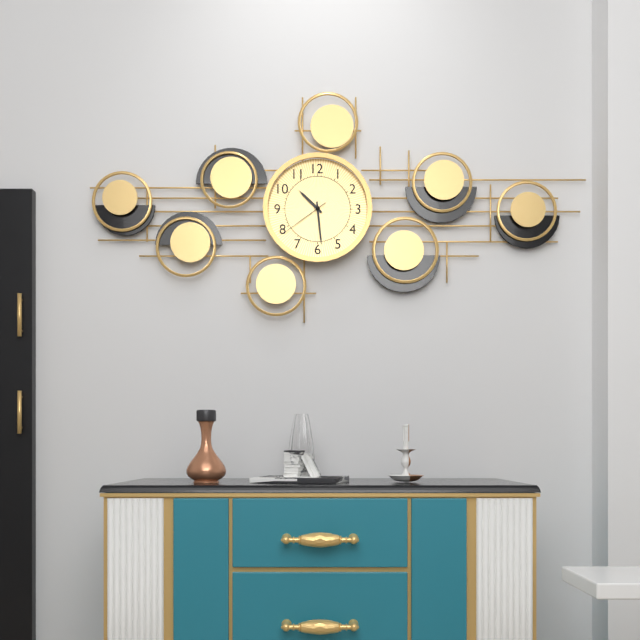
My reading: 10:29
